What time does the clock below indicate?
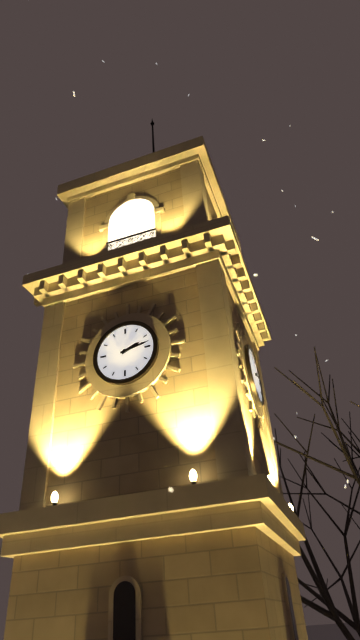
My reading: 2:13
